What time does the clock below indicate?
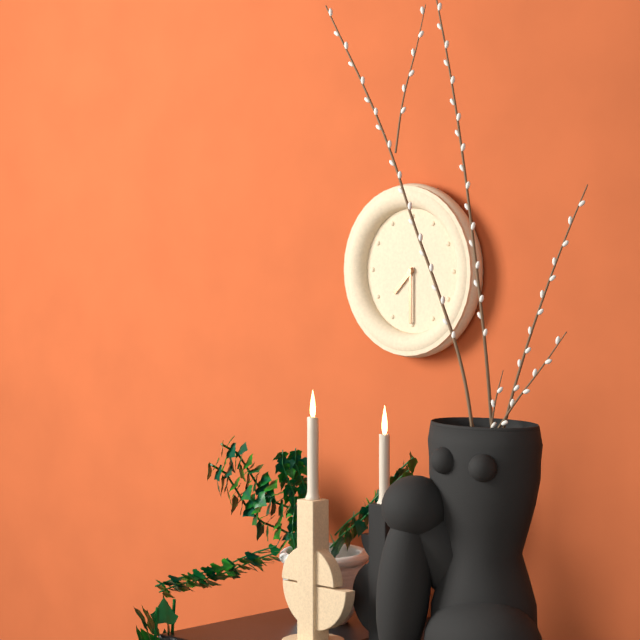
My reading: 7:30
